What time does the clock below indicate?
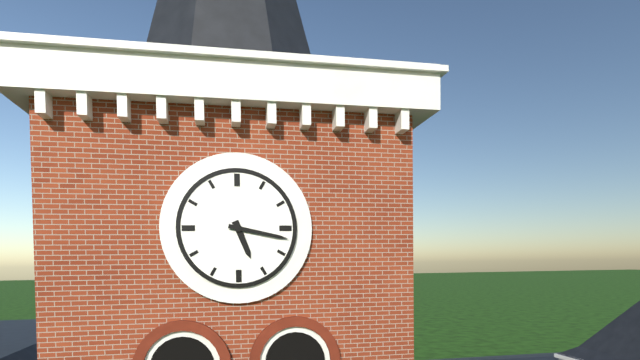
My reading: 5:17
